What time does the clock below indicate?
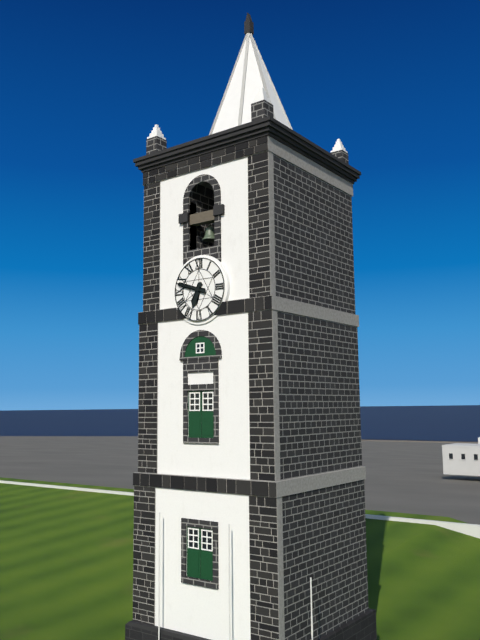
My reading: 6:48
